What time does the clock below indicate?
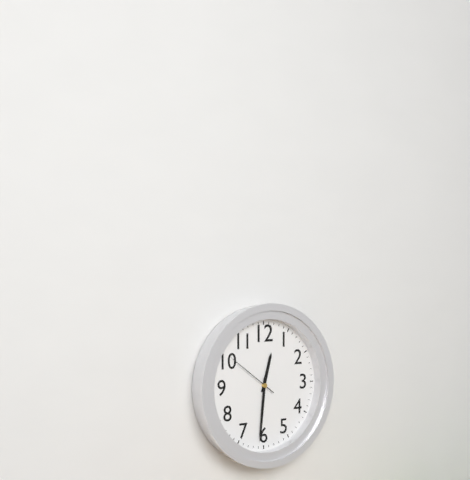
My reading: 12:31:51
